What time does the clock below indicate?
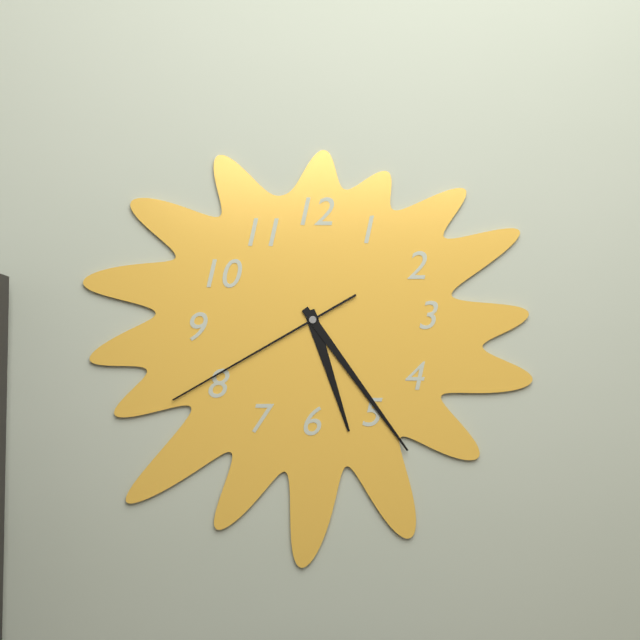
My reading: 5:24:40
